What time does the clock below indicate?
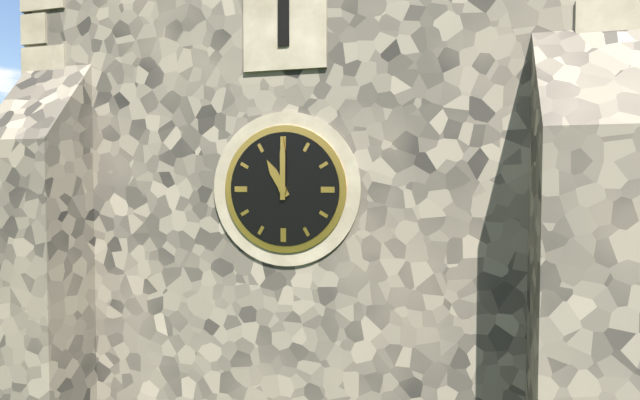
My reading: 11:00
